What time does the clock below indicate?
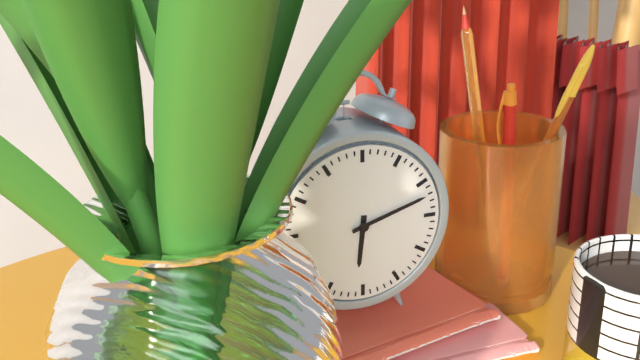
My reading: 6:12
